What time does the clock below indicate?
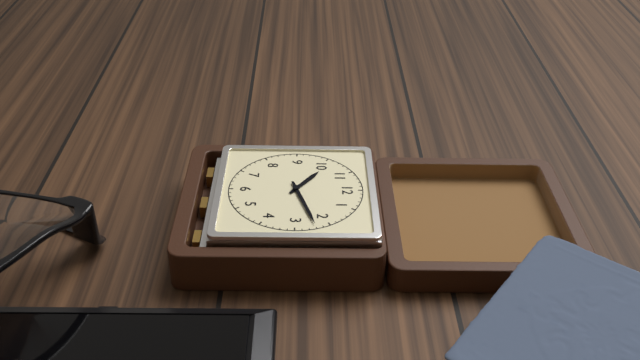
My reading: 10:12
